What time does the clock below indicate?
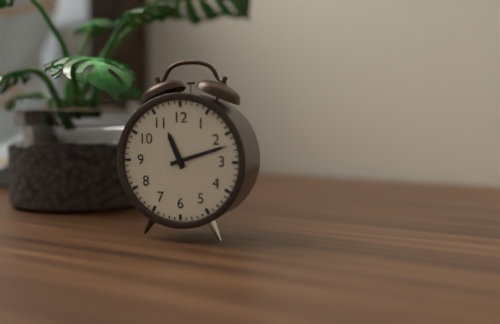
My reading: 11:12
